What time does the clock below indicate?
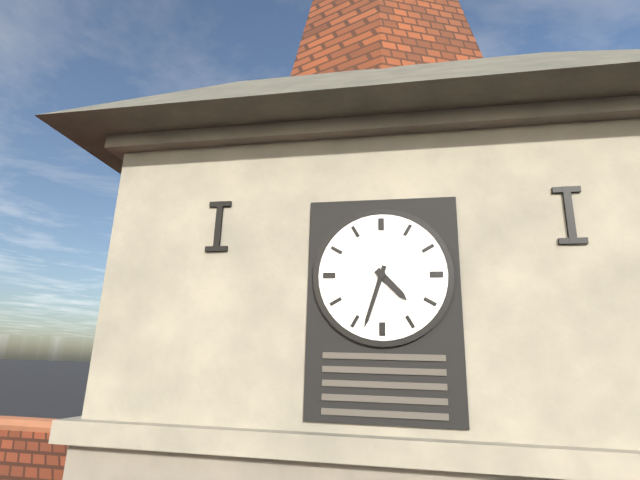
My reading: 4:33
